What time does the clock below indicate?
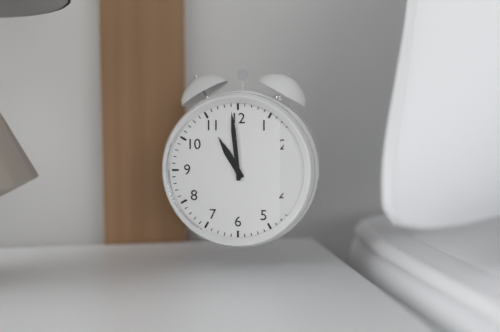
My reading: 10:59
